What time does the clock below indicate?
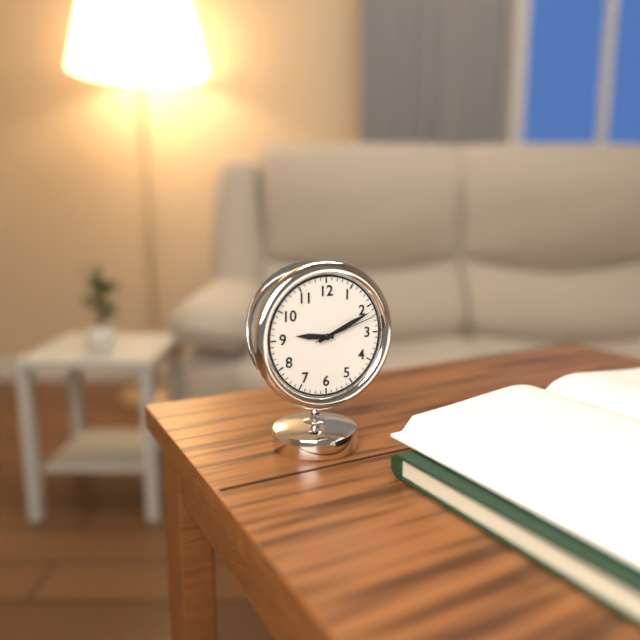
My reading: 9:11:12
